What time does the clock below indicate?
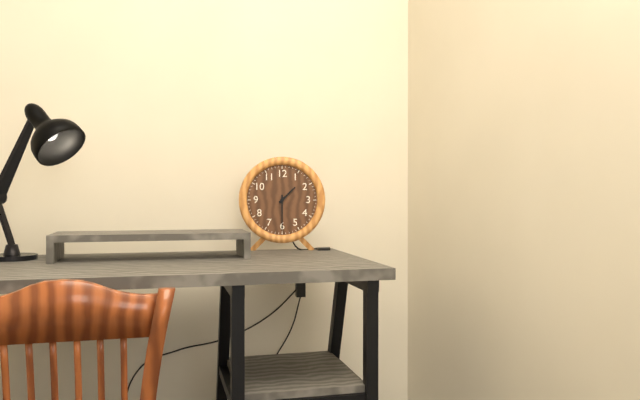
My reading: 1:30
